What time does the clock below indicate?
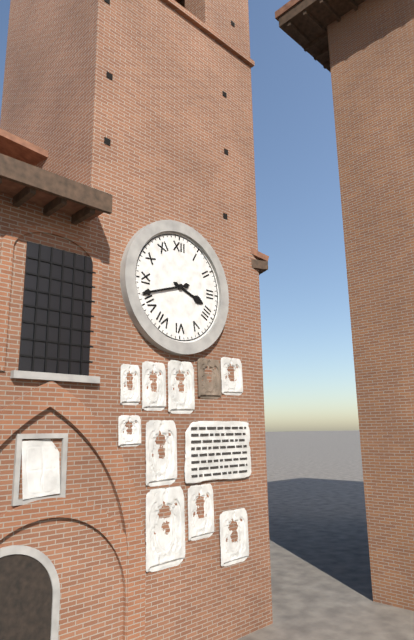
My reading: 3:42
